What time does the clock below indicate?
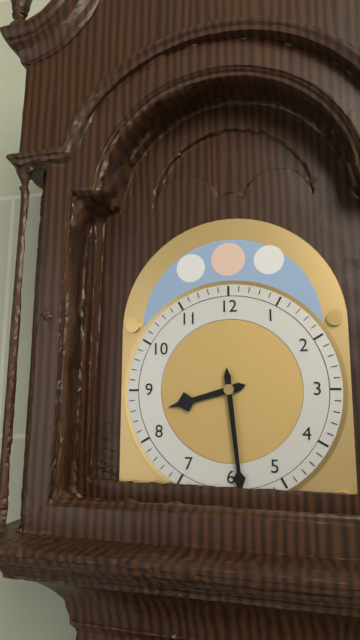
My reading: 8:29
